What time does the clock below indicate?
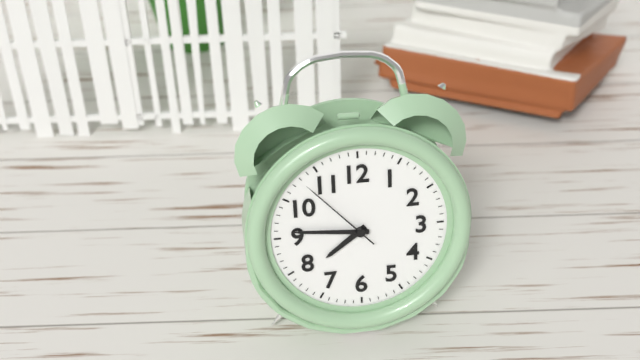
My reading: 7:46:53
